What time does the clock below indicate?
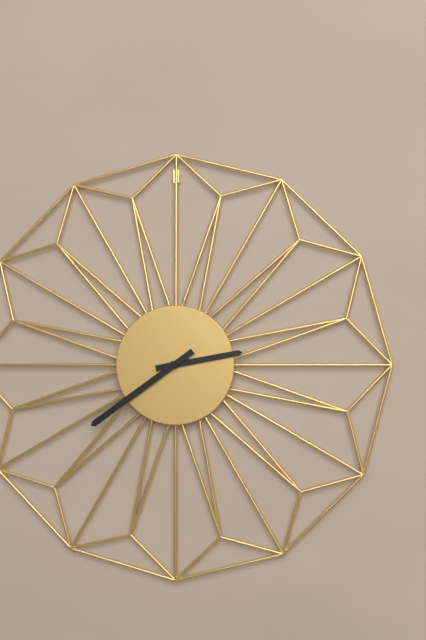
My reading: 2:39
